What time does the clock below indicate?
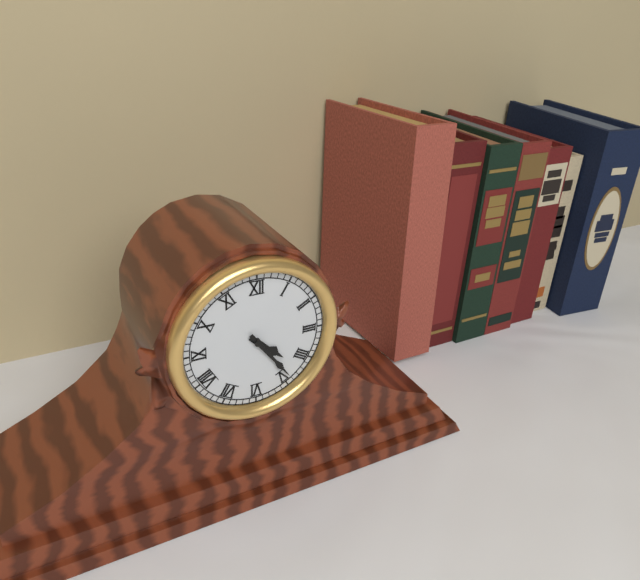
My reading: 4:24
